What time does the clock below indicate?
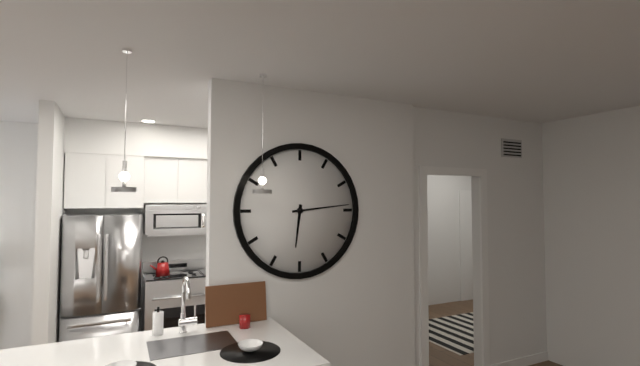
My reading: 6:14
